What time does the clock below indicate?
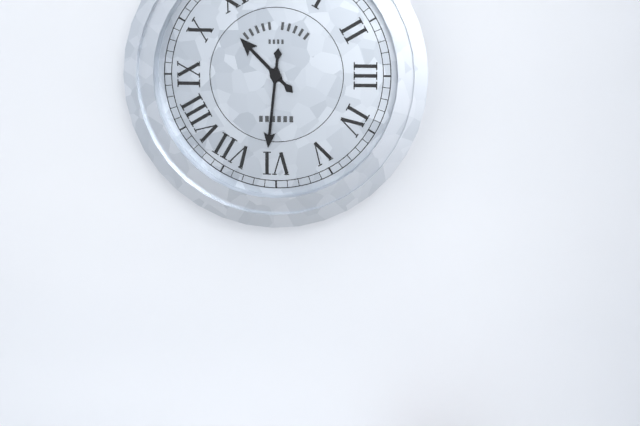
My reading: 10:31
